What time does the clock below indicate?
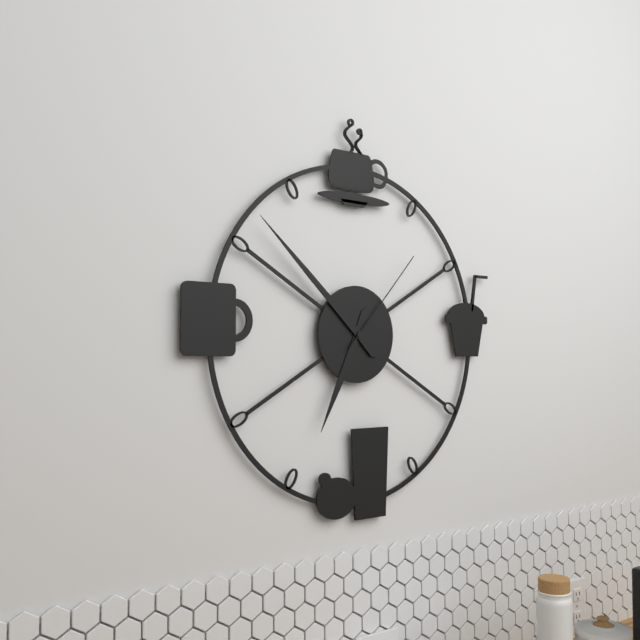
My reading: 6:52:07
